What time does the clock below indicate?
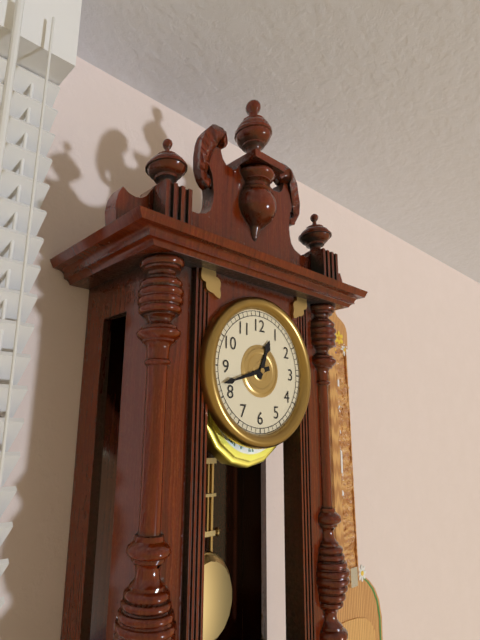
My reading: 12:42
